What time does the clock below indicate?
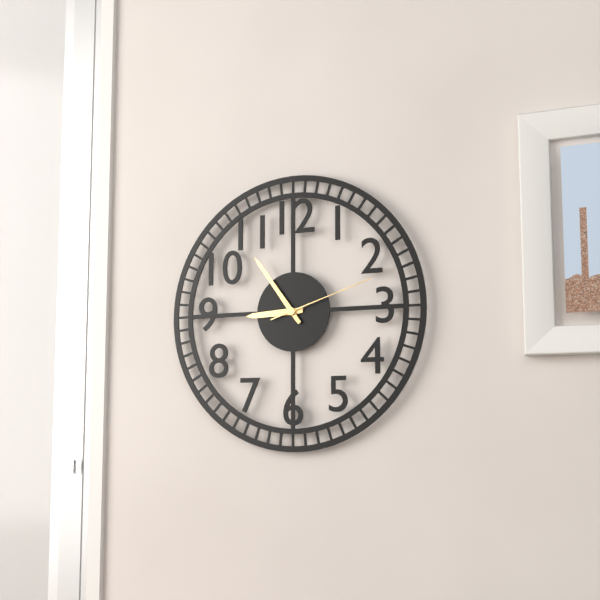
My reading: 8:54:12
